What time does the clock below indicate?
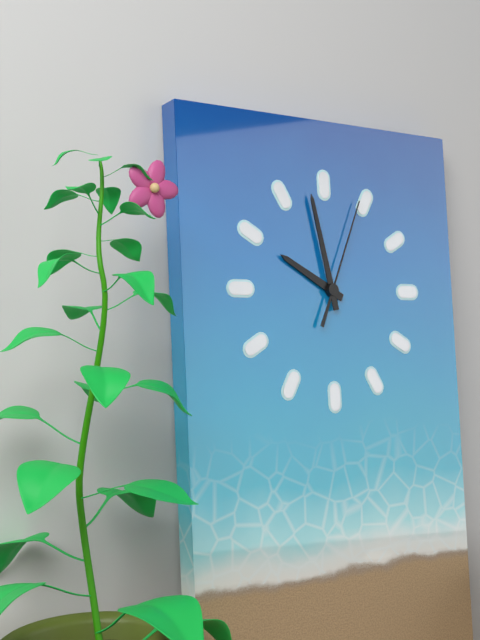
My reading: 9:58:04
